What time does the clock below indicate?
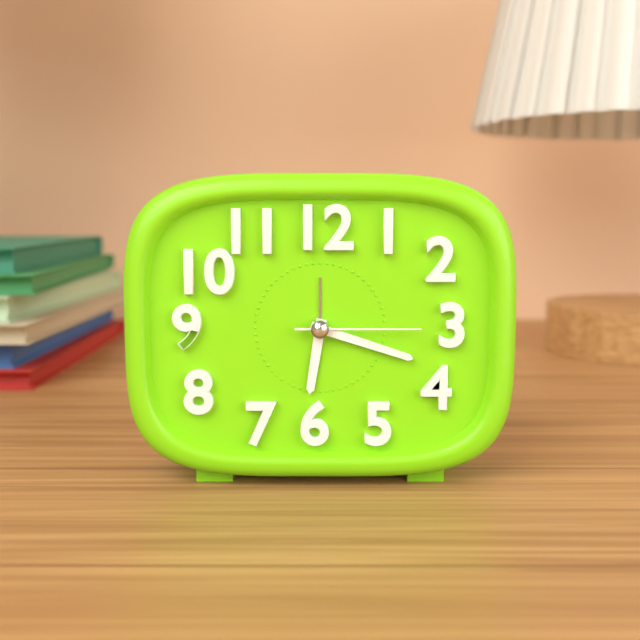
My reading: 6:18:15
